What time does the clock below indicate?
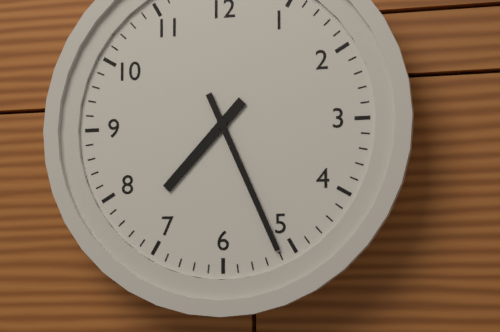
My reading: 7:26
